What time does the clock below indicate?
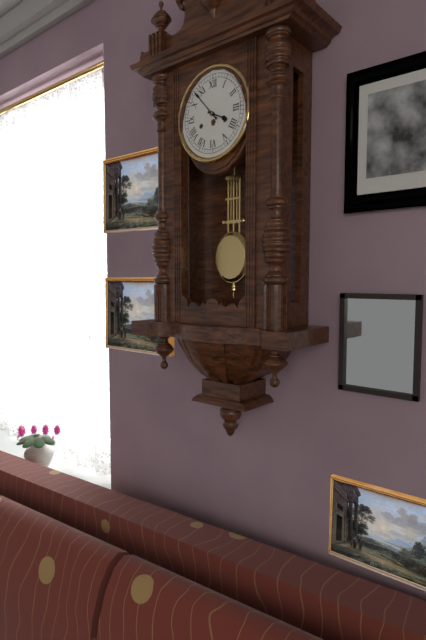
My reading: 3:53
